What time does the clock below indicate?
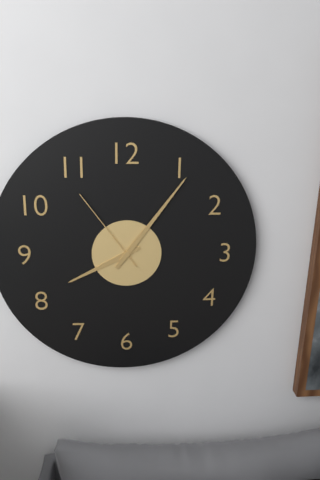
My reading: 8:06:54
